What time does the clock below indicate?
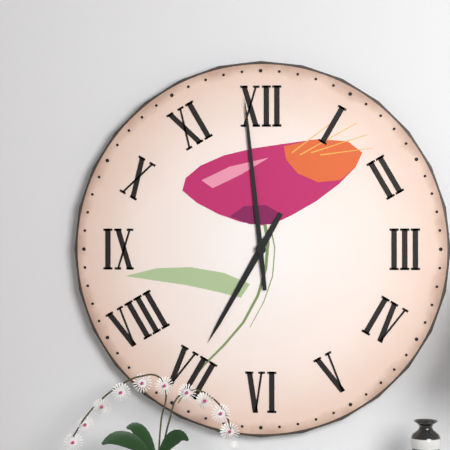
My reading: 6:59
